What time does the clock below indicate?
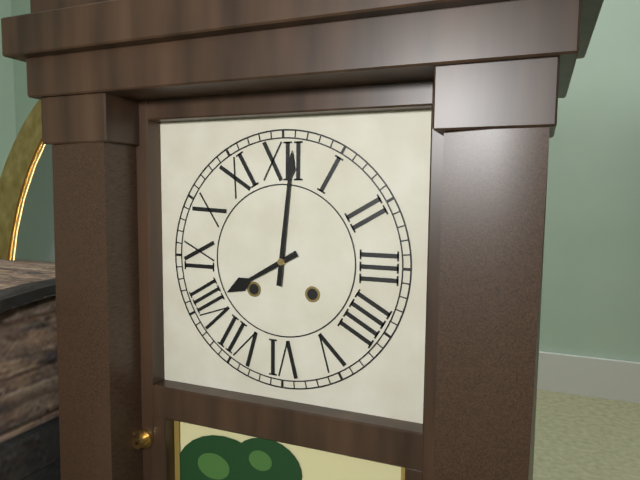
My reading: 8:01
